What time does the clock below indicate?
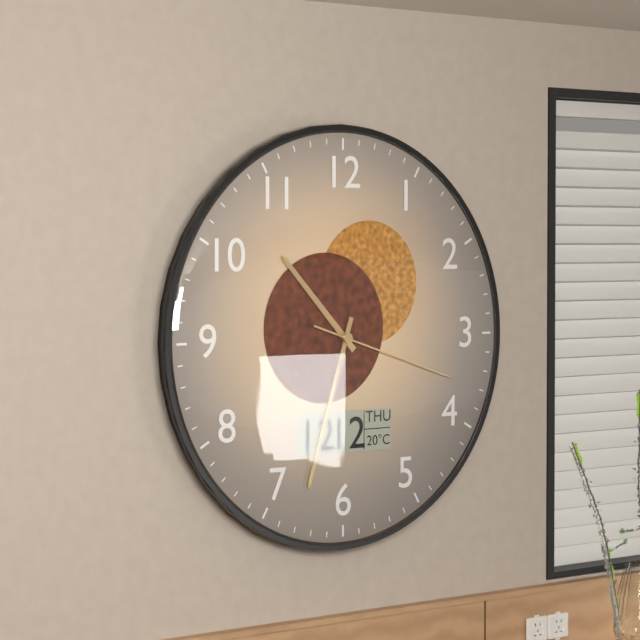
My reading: 10:33:18
